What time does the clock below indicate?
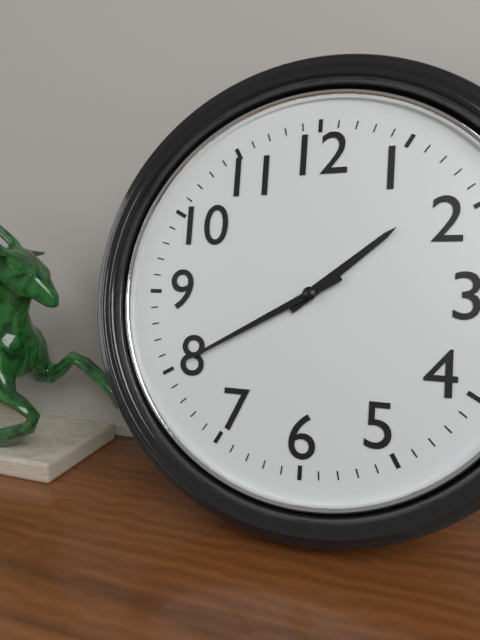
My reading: 1:40
